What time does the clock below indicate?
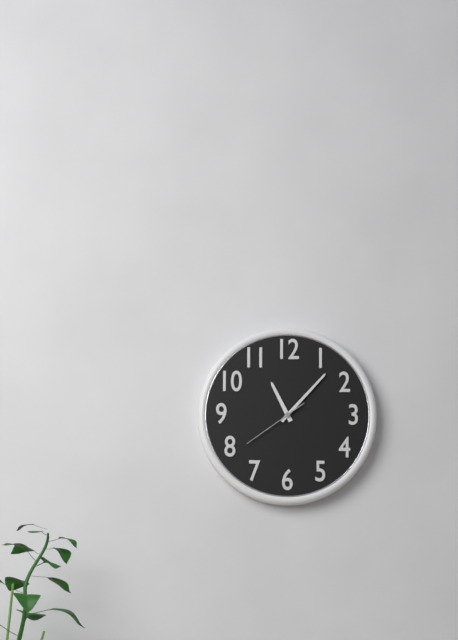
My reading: 11:07:39
